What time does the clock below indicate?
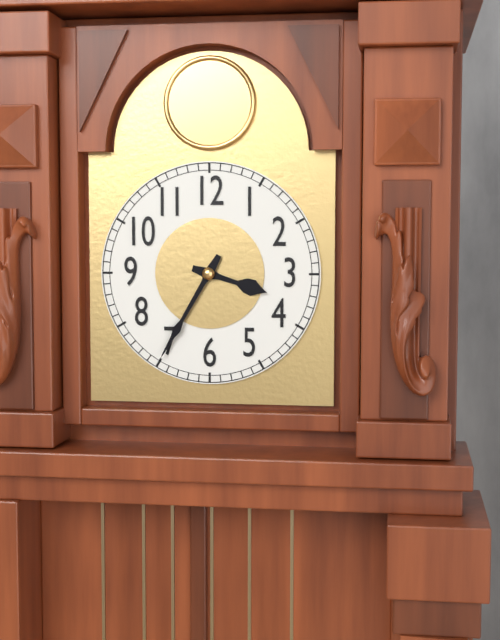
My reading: 3:35
